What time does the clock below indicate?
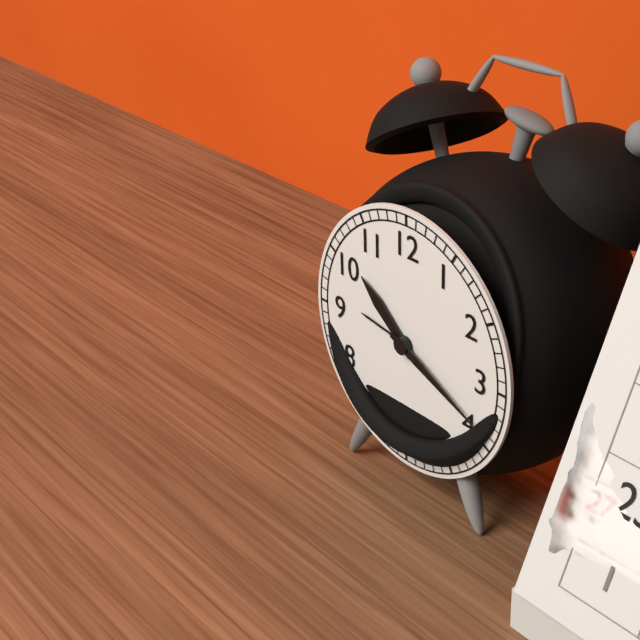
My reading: 10:19
